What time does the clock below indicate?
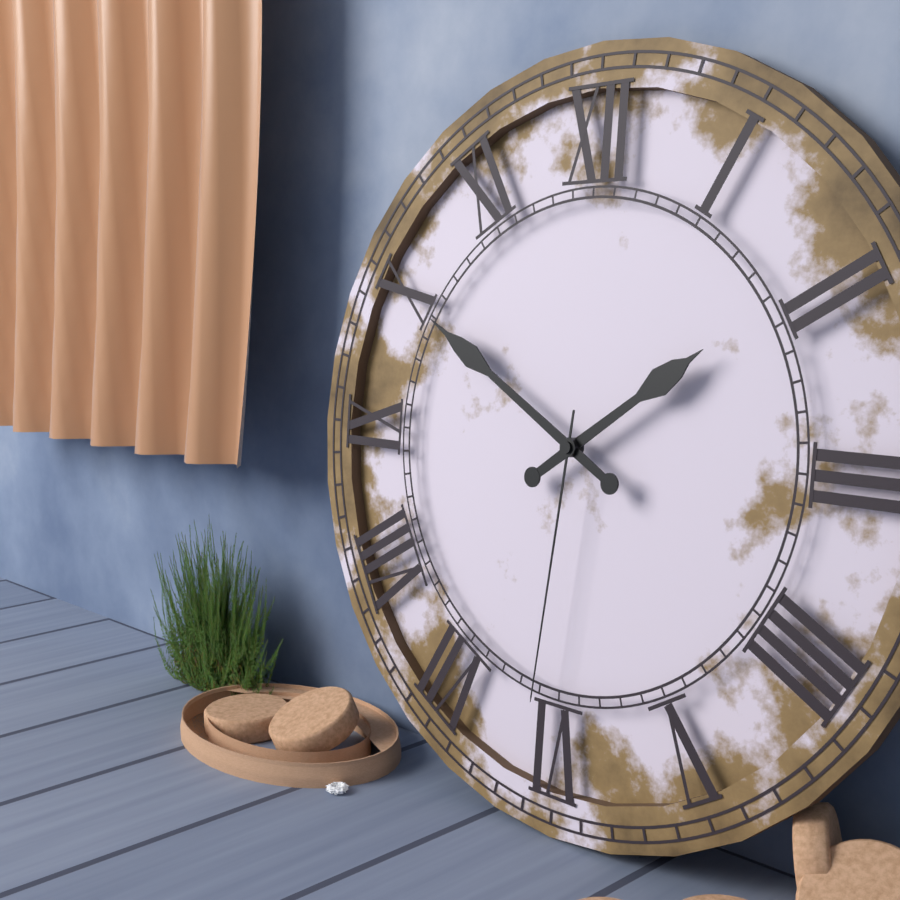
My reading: 1:50:31
